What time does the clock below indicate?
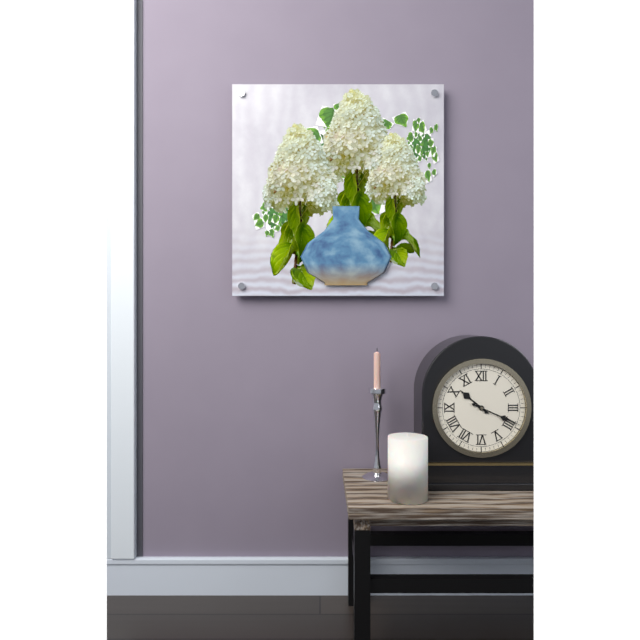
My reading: 10:19
